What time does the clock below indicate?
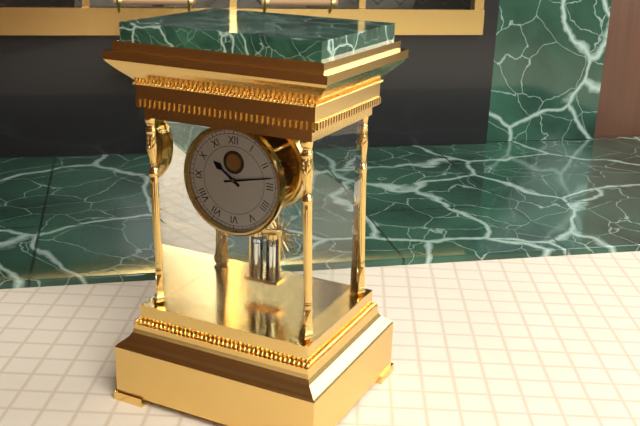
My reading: 10:13
